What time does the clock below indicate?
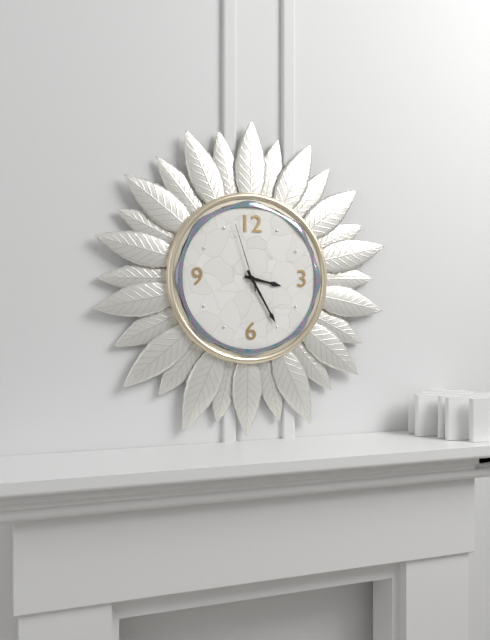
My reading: 3:25:57
